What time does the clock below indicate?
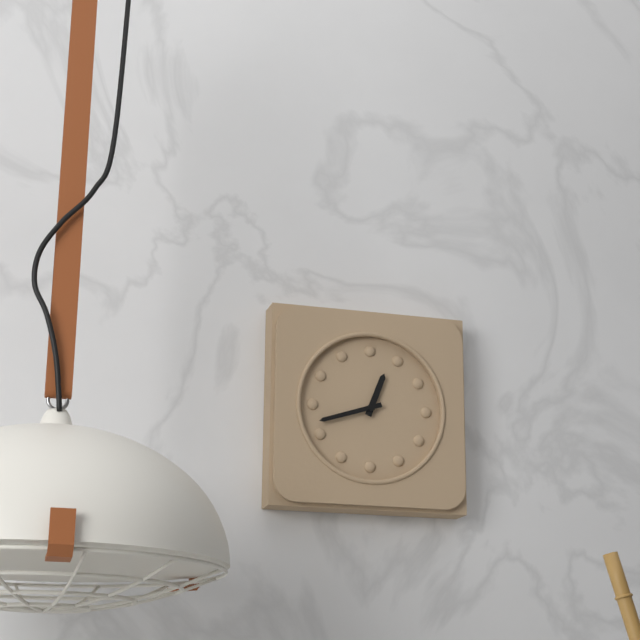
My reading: 12:42
